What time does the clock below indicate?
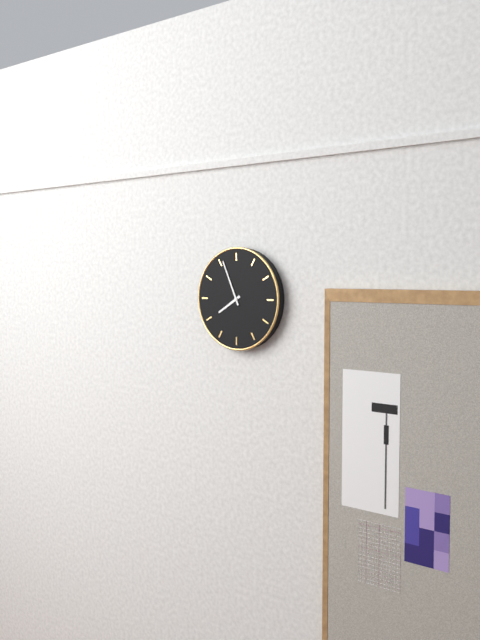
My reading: 7:56
